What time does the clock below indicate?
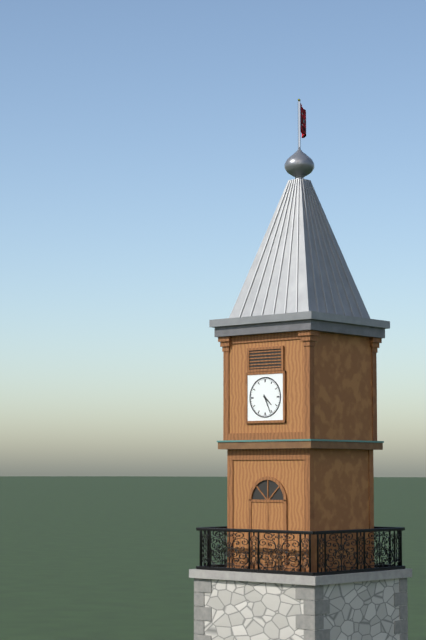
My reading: 4:26
